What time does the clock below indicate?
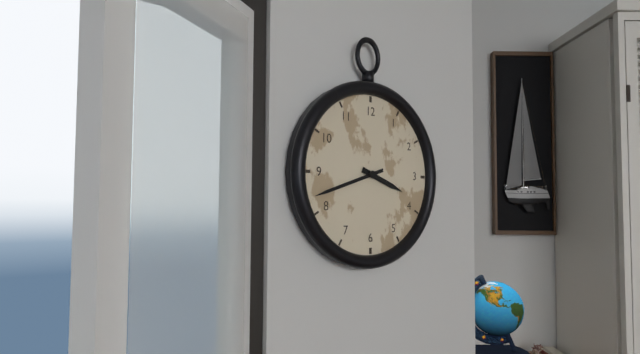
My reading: 3:42
